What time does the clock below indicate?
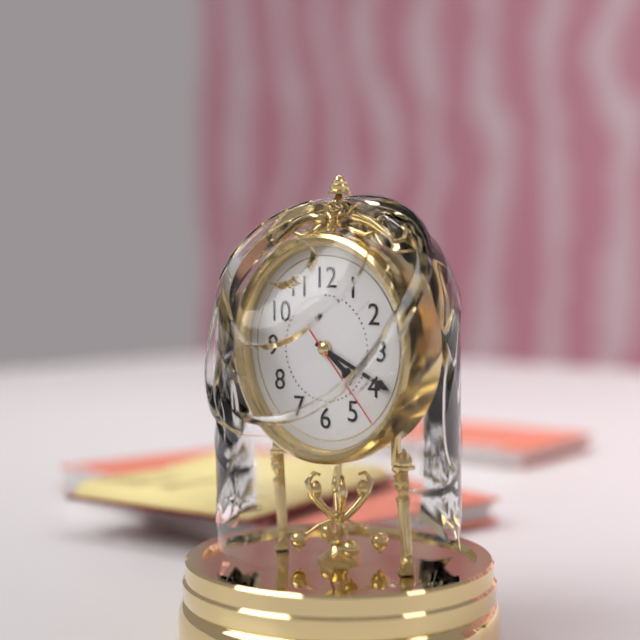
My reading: 4:19:23
